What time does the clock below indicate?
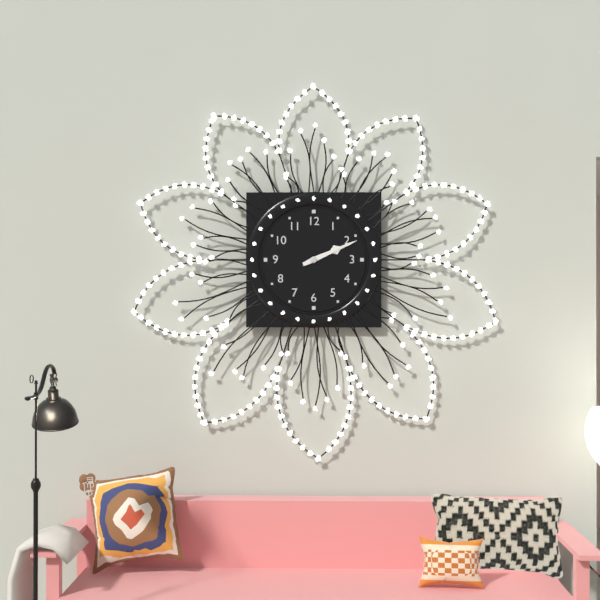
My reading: 2:11
